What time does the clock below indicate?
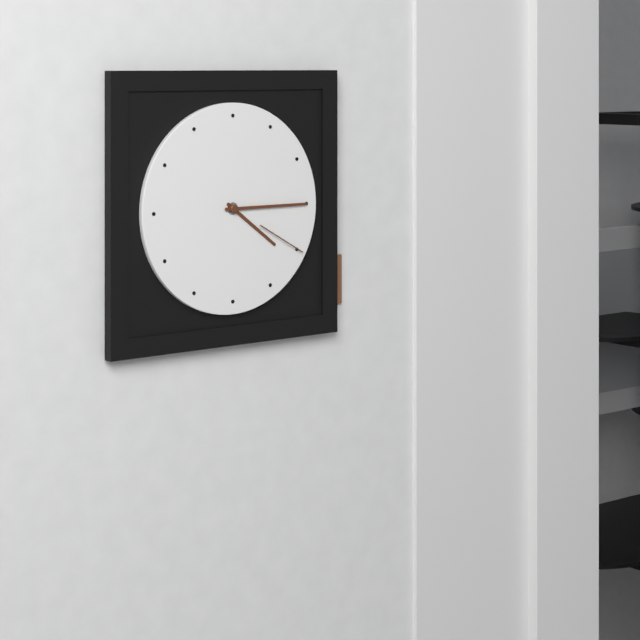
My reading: 4:15:20
